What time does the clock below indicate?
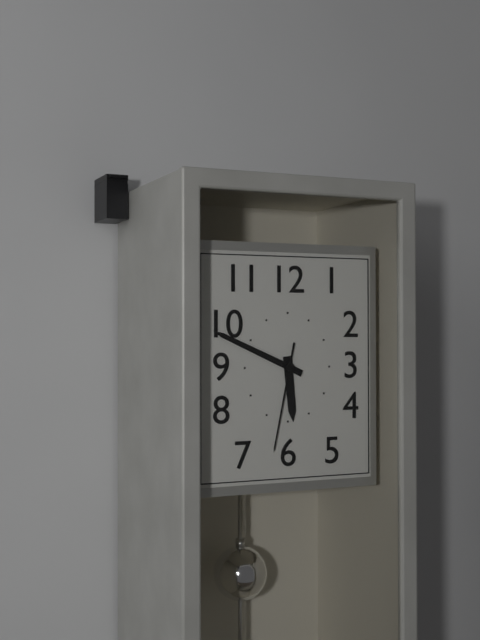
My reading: 5:49:32
